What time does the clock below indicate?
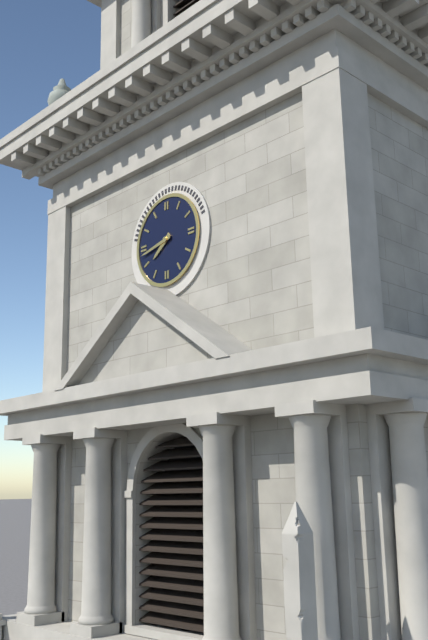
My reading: 7:43
